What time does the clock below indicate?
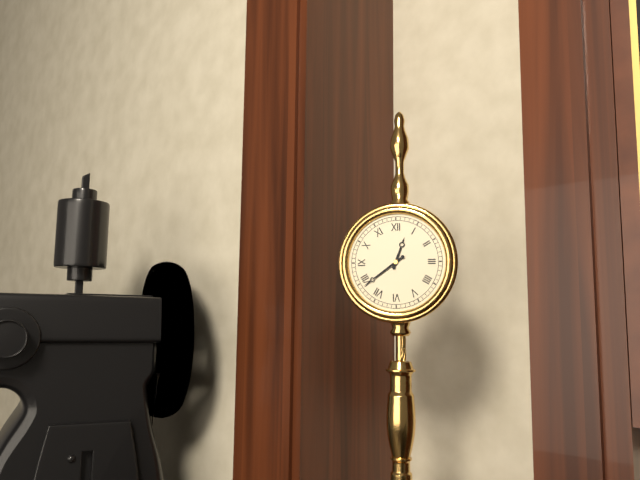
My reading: 12:39
